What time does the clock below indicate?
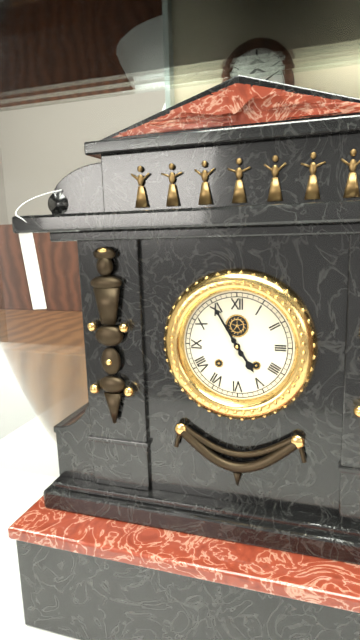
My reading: 4:55
